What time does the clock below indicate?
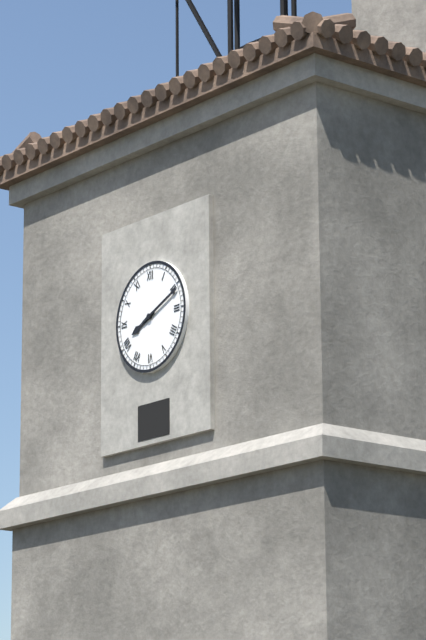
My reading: 8:11
